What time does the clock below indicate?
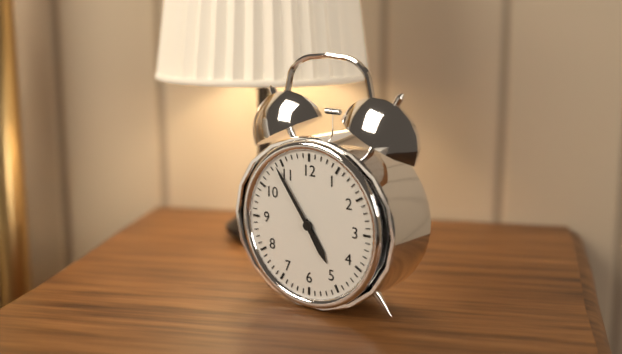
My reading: 4:54
